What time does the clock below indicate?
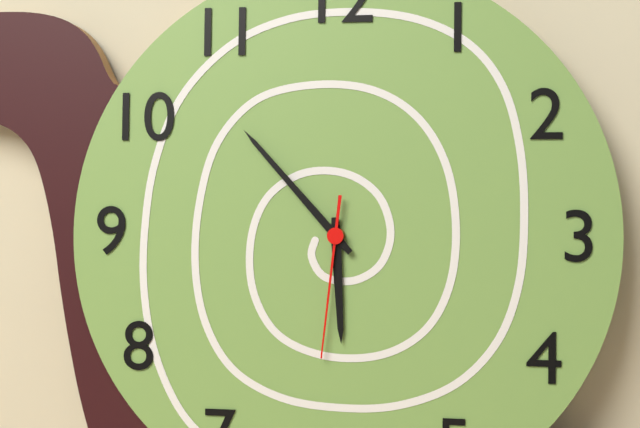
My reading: 5:53:31
